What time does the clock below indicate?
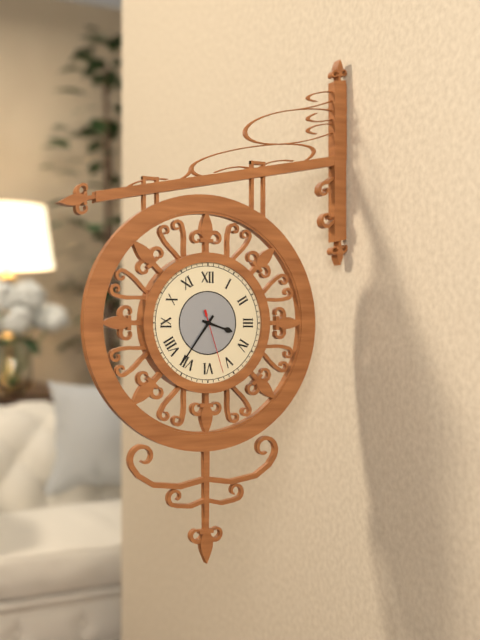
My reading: 3:36:27
